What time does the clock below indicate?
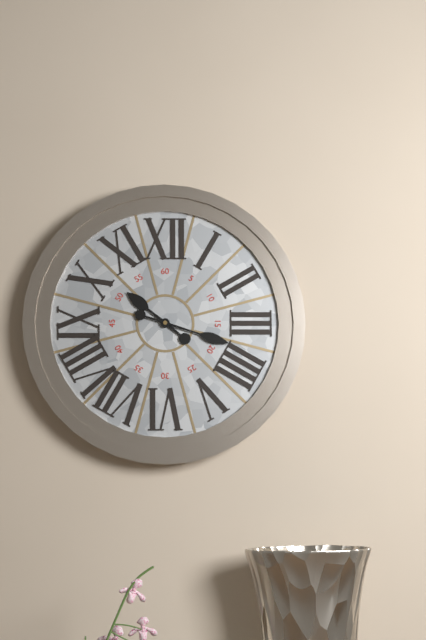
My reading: 10:18
